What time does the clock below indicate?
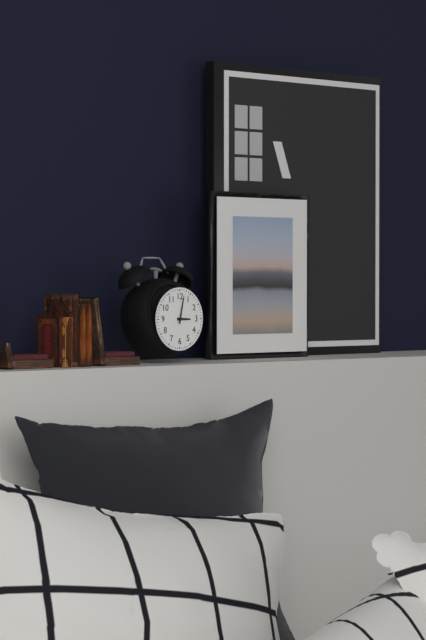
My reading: 3:02
